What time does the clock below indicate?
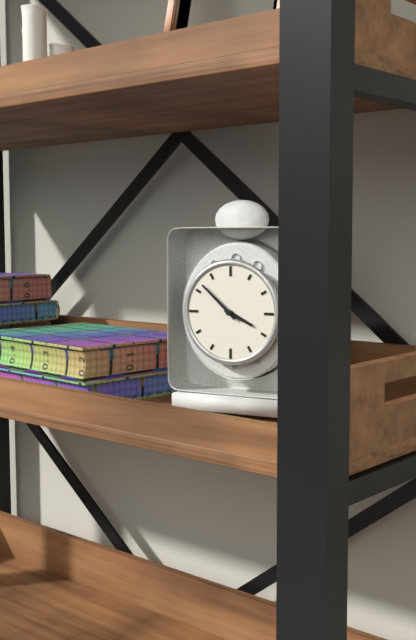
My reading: 3:52
